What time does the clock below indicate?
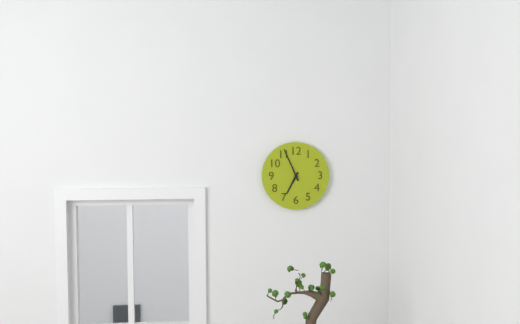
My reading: 6:56
